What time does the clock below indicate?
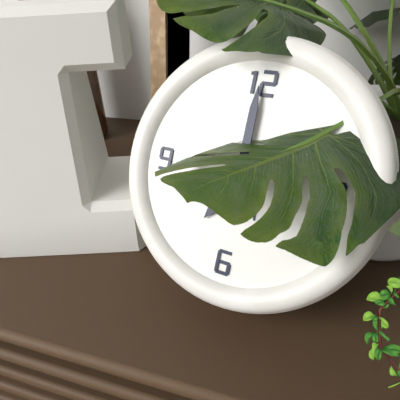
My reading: 7:00
